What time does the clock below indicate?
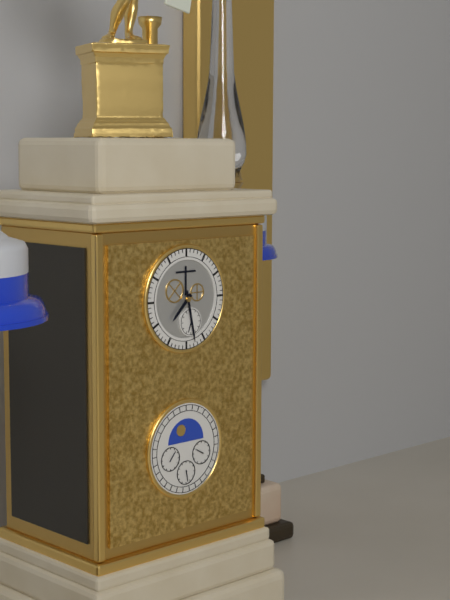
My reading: 7:28
